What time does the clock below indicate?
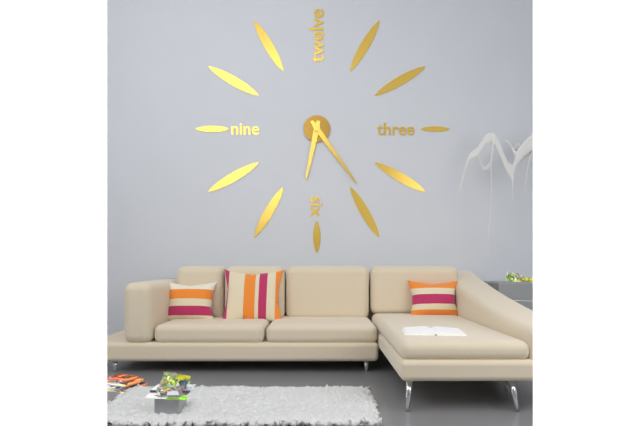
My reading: 6:24
